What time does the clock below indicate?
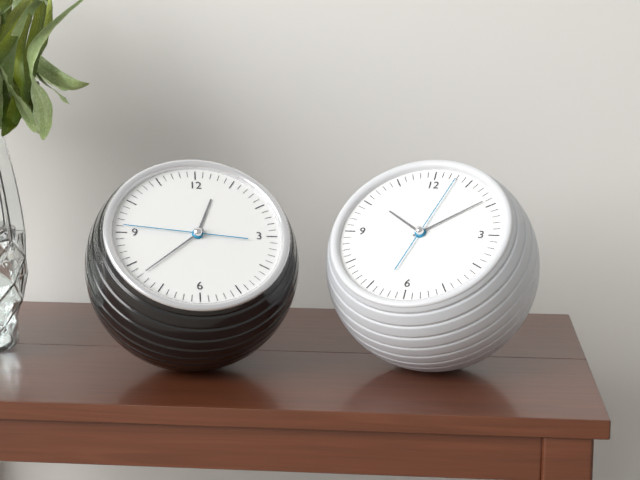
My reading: 12:38:46
